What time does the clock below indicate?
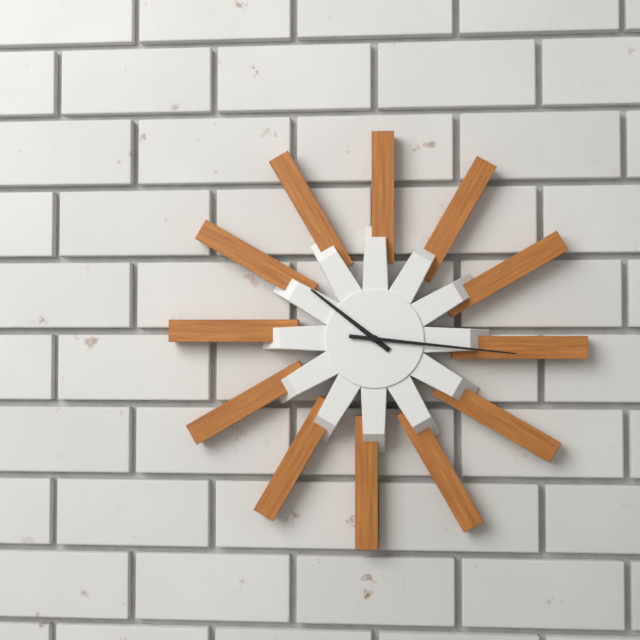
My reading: 10:16
